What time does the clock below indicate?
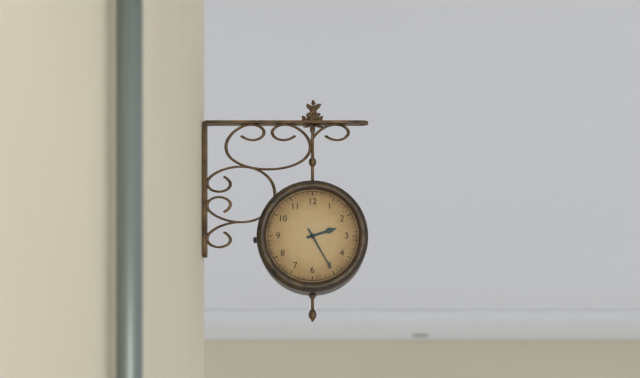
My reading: 2:25
